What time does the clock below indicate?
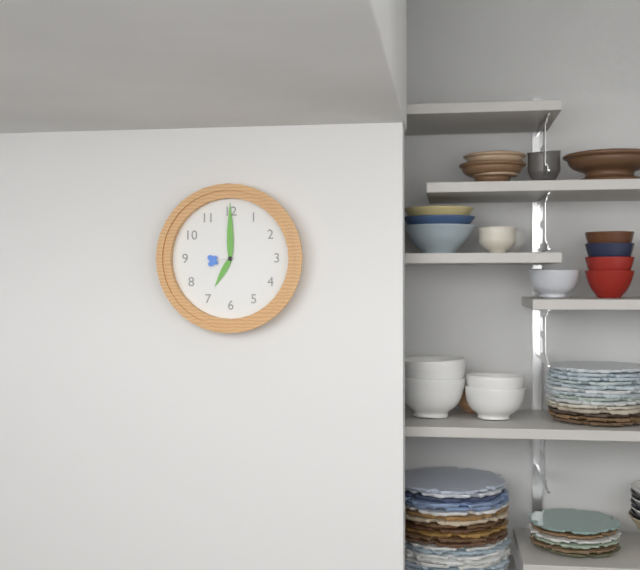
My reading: 7:00
